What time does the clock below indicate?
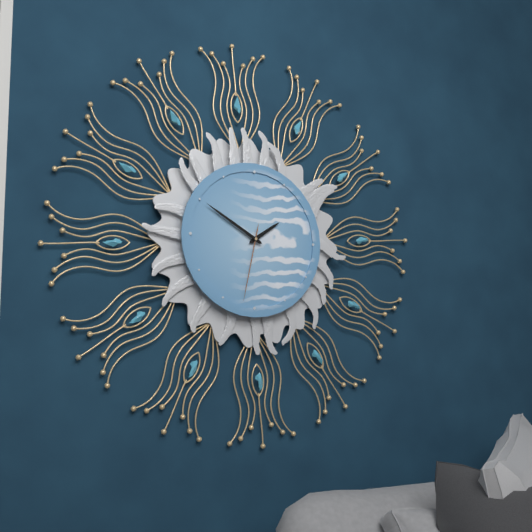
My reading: 1:50:32
